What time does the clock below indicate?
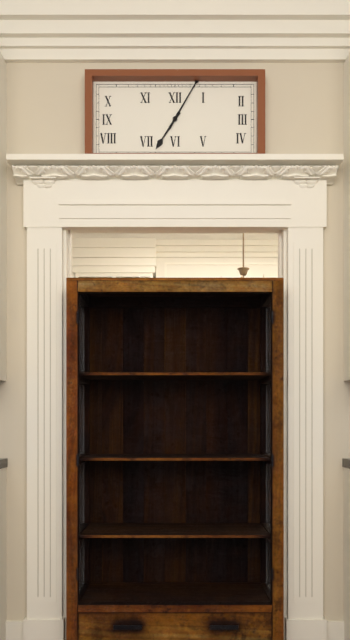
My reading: 7:05
